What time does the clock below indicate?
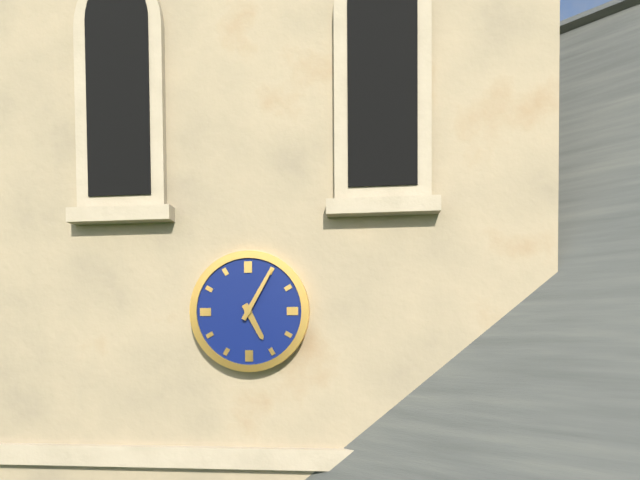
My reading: 5:05
